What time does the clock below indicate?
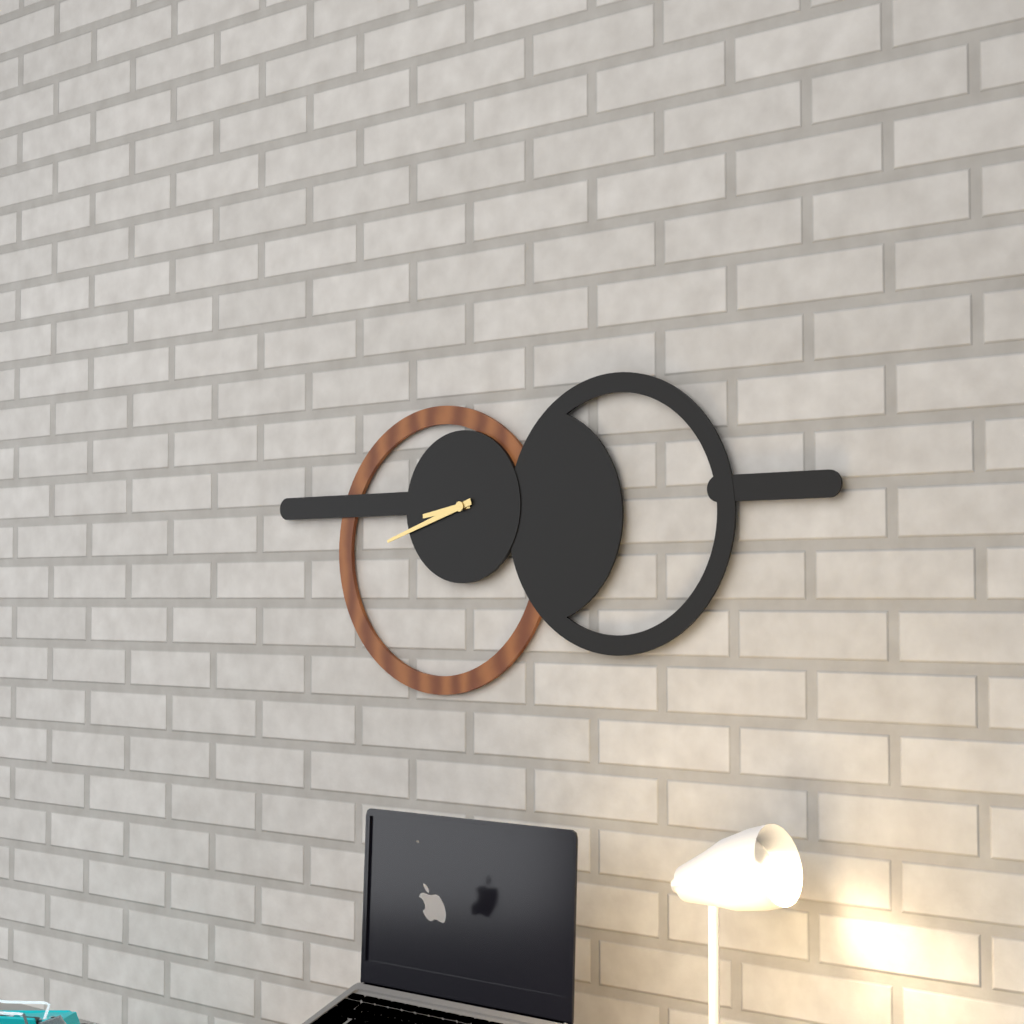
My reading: 8:42
